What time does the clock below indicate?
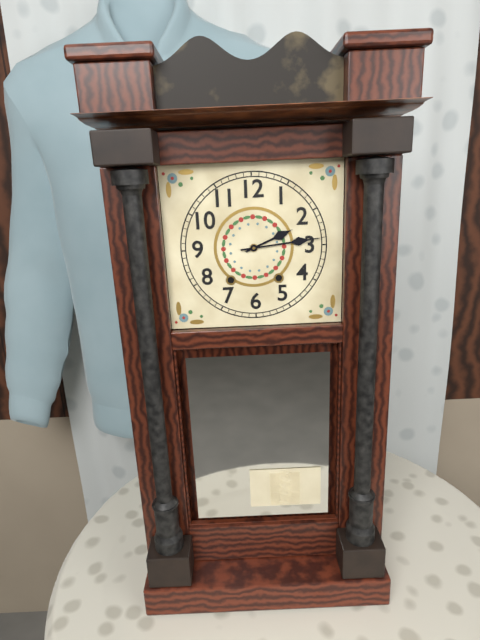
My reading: 2:14
